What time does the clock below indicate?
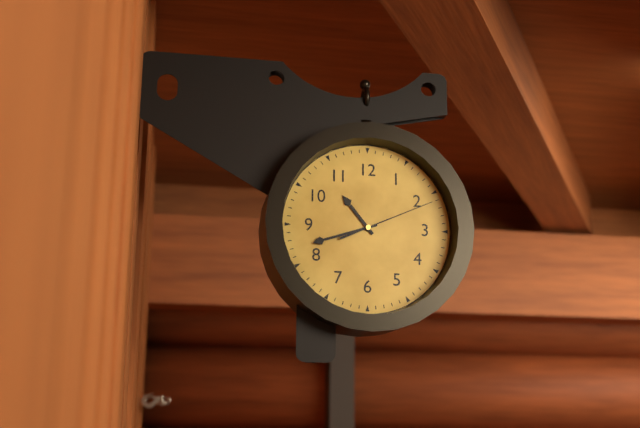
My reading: 10:42:11
